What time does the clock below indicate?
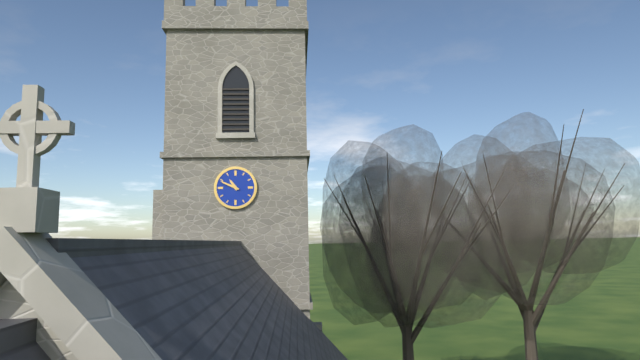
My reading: 10:49
